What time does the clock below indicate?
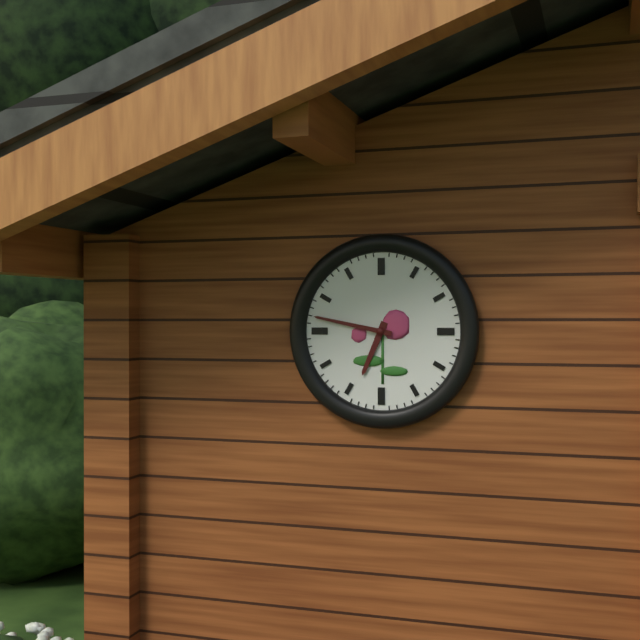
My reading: 6:47
